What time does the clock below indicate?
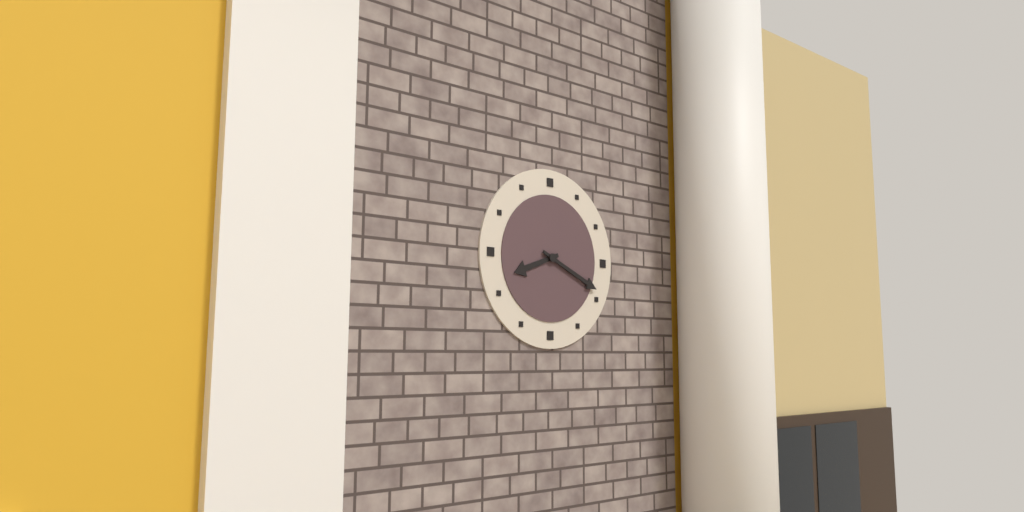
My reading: 8:19
